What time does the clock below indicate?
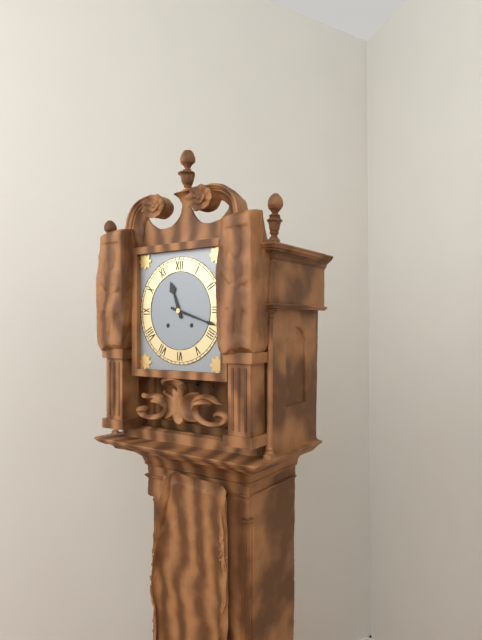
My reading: 11:18
